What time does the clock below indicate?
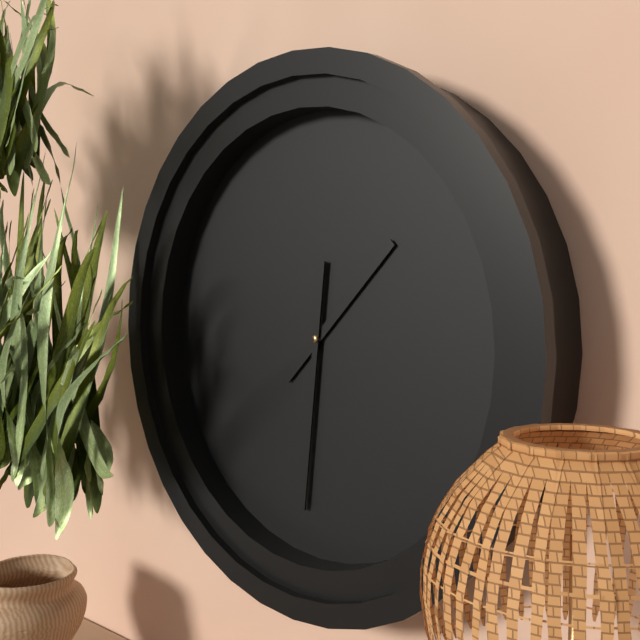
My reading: 1:31
